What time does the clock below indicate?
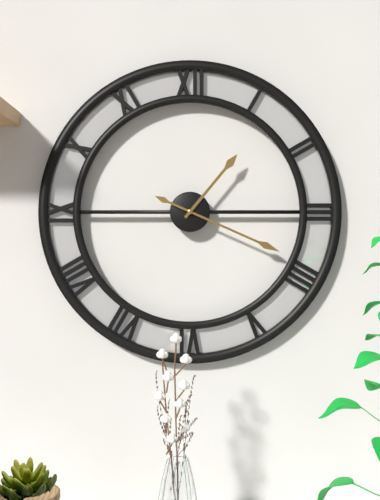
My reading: 1:19
